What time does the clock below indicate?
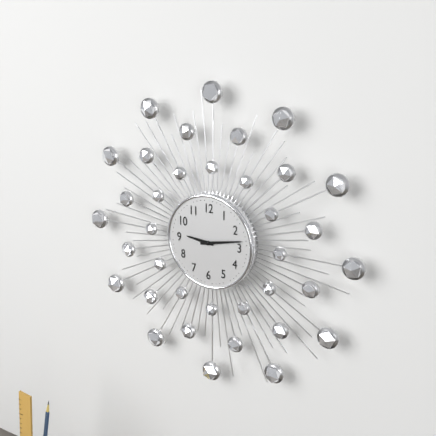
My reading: 9:13
